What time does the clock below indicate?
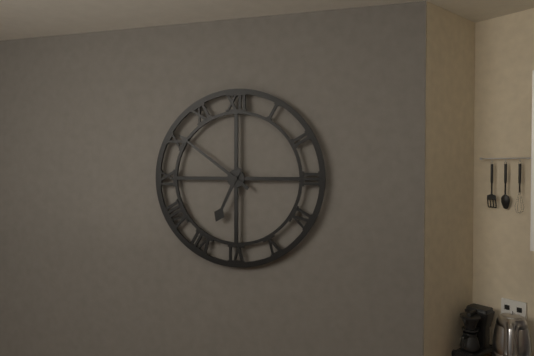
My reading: 6:51
